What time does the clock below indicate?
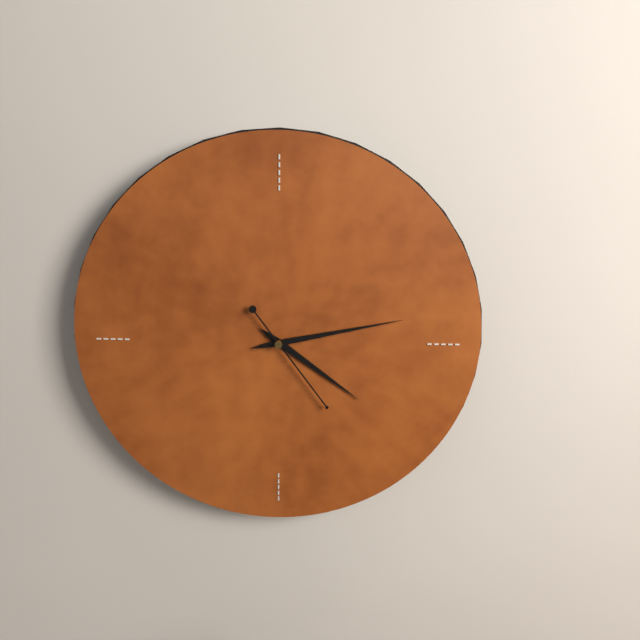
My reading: 4:13:24
